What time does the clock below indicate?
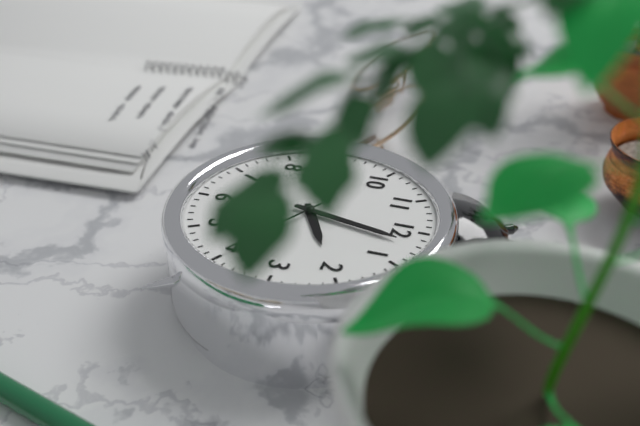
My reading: 2:02
